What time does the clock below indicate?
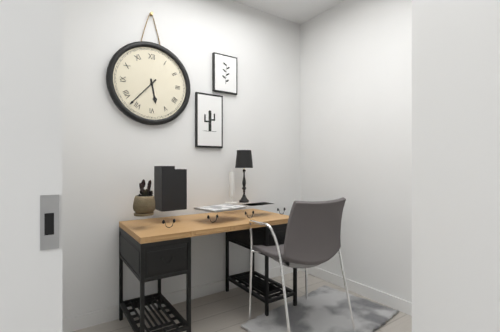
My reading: 5:37
